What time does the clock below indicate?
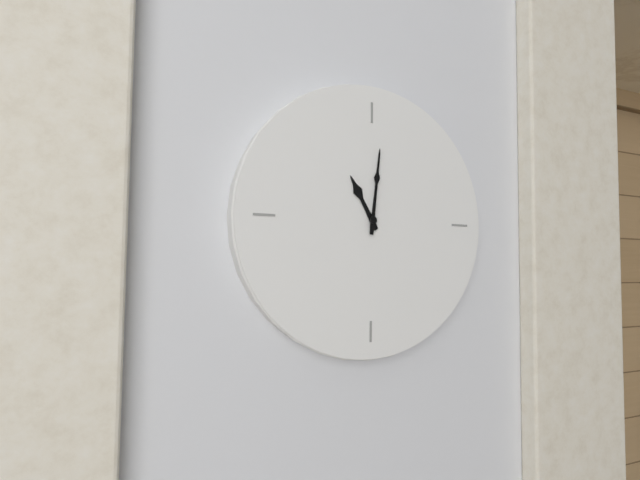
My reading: 11:01
